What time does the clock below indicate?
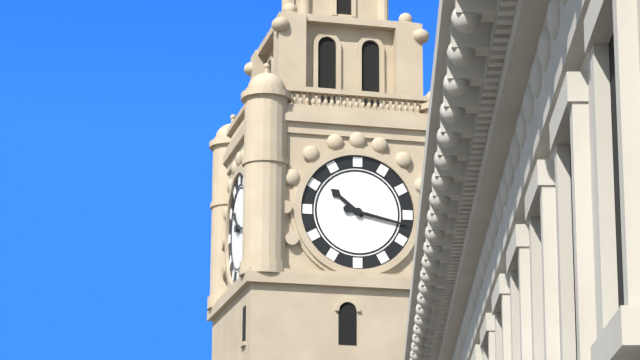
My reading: 10:17
